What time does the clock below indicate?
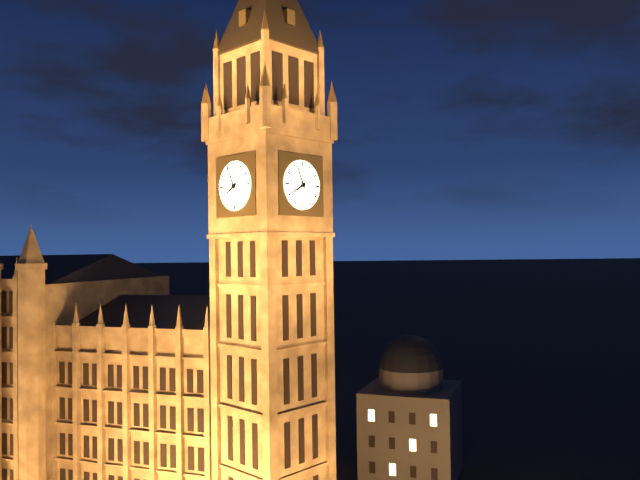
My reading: 7:56
